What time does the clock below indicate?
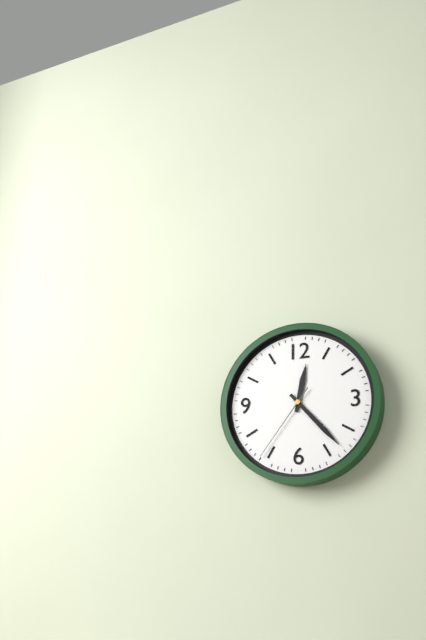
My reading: 12:23:36
